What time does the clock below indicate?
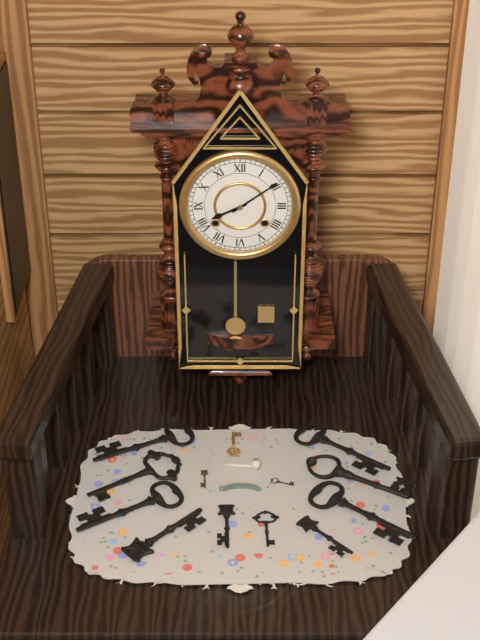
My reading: 8:09
